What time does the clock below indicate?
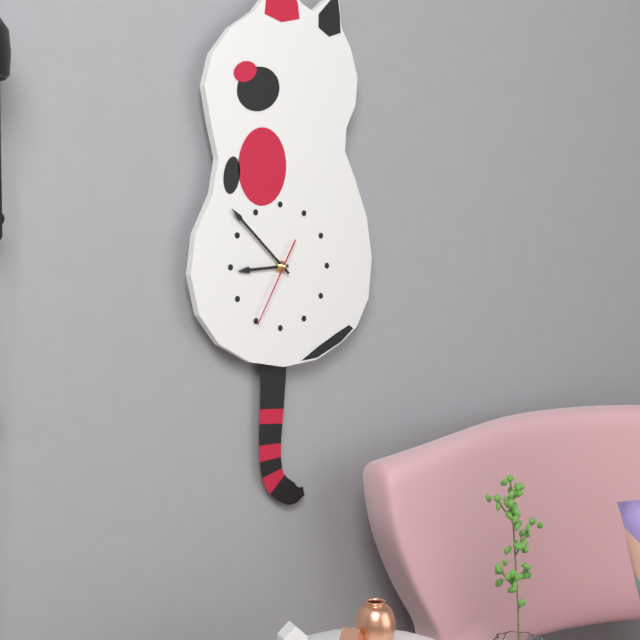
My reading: 8:52:35
